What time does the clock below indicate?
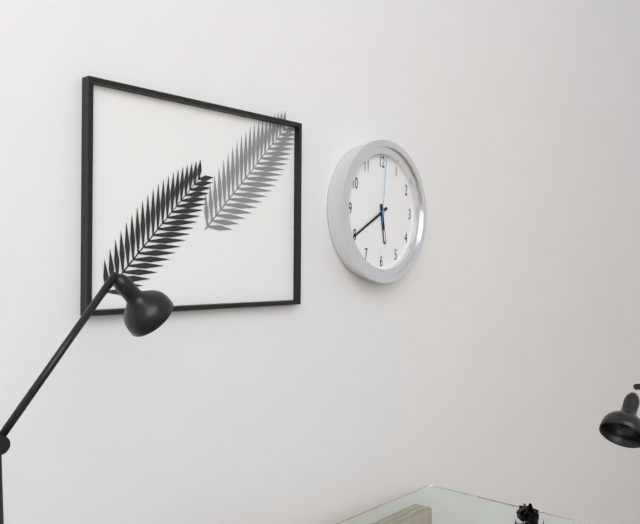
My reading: 5:40:01
